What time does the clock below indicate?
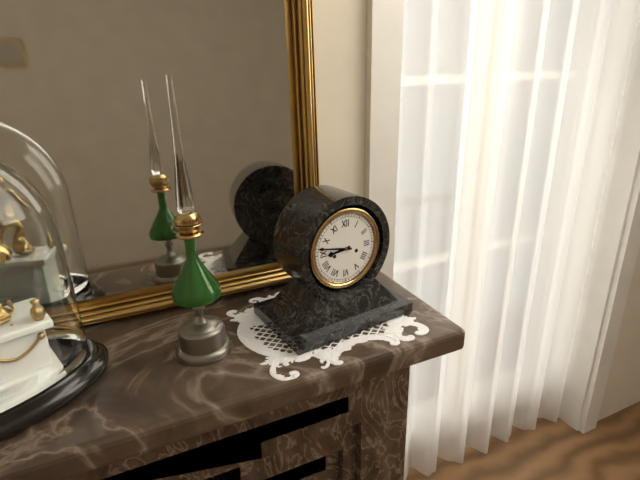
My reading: 8:47
